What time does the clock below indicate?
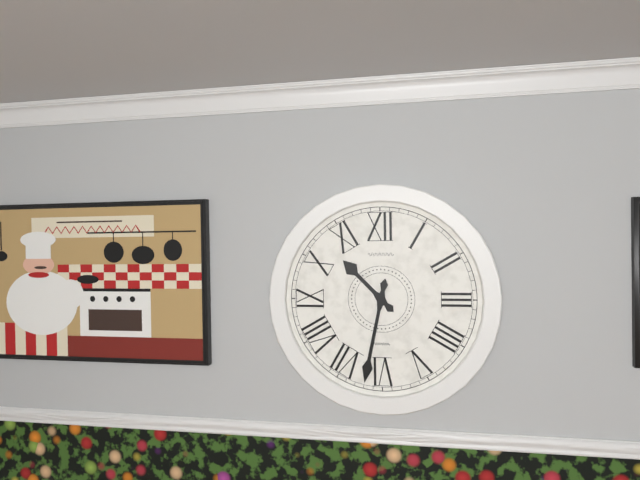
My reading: 10:32
